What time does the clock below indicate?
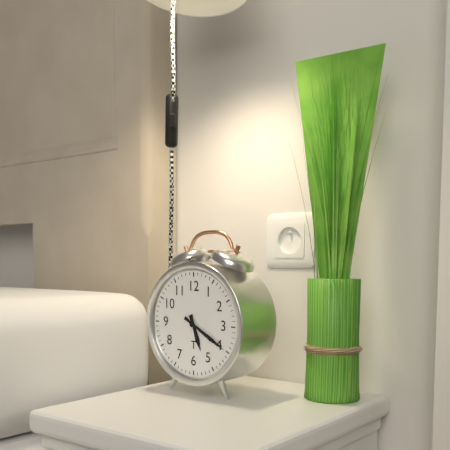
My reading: 5:20
